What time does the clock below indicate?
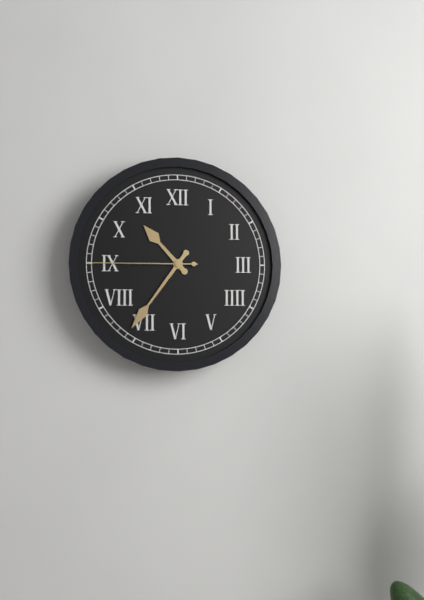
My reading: 10:36:45
